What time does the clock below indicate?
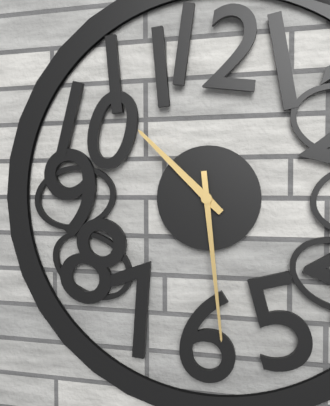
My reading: 10:29
